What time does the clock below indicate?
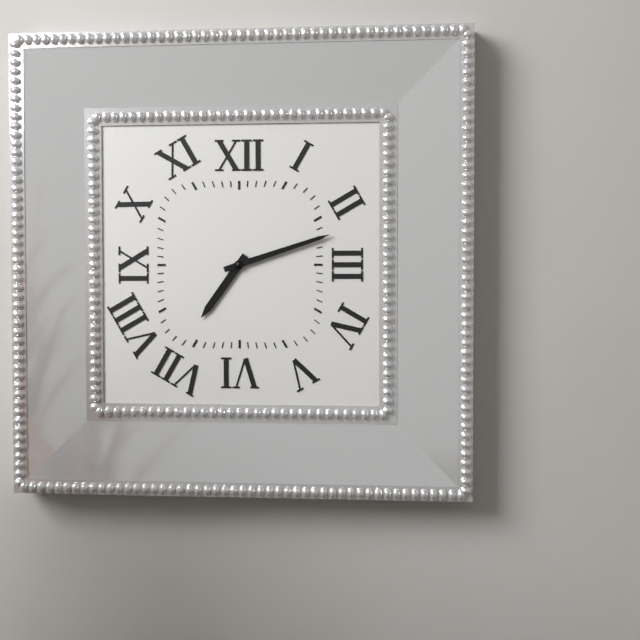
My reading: 7:12
